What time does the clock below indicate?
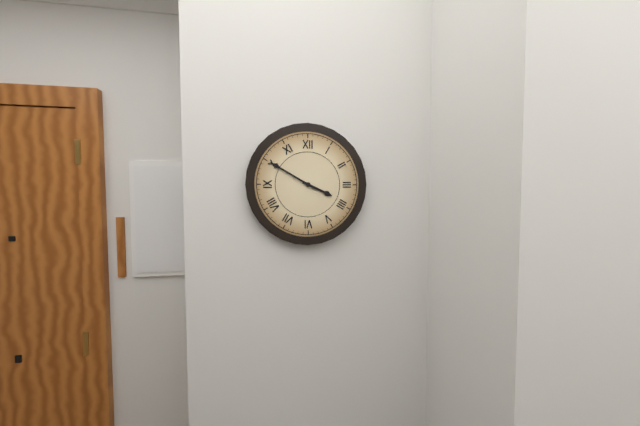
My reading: 3:50
